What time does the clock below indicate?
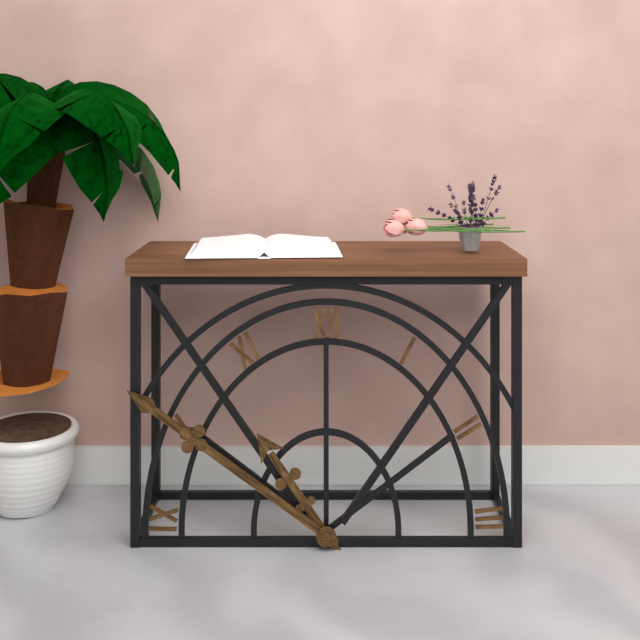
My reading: 10:51
